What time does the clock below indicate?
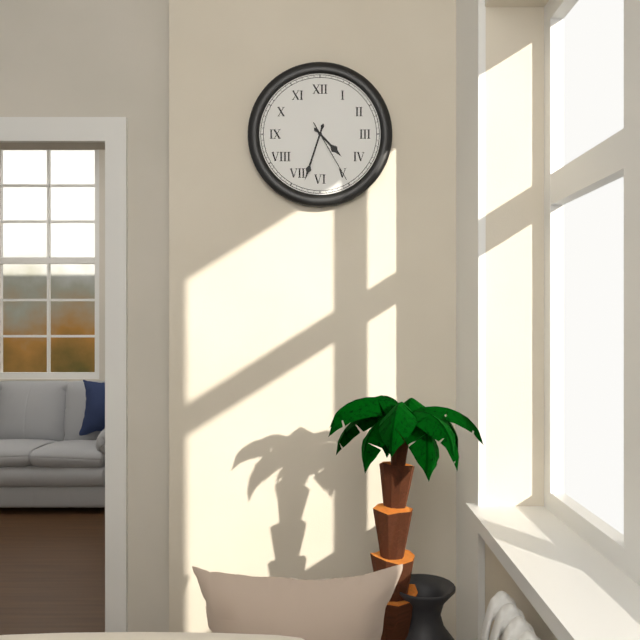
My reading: 4:33:25
